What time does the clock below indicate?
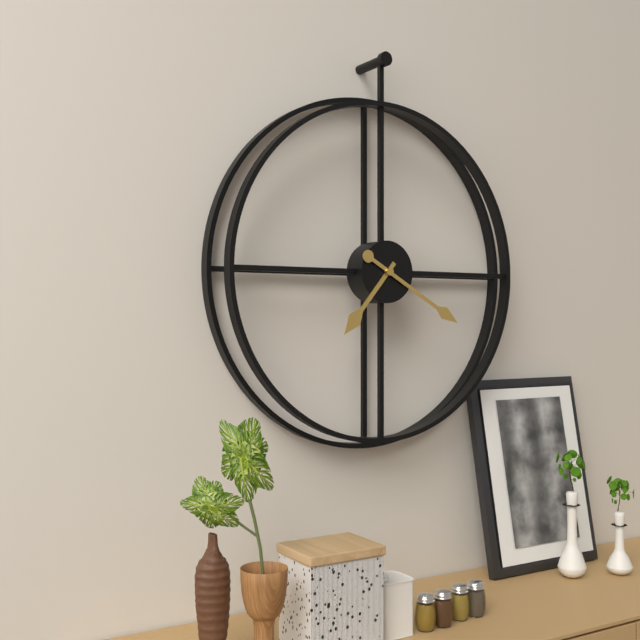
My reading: 7:20
